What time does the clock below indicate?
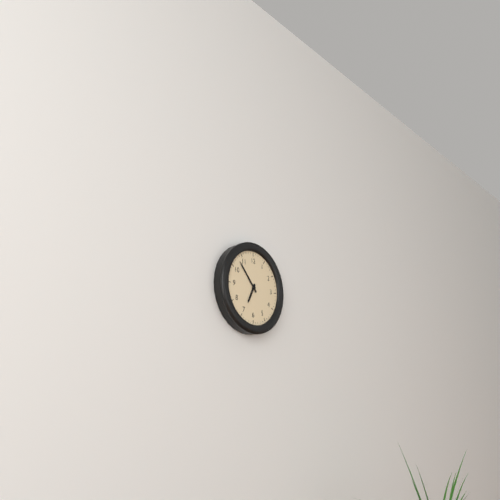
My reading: 6:53
